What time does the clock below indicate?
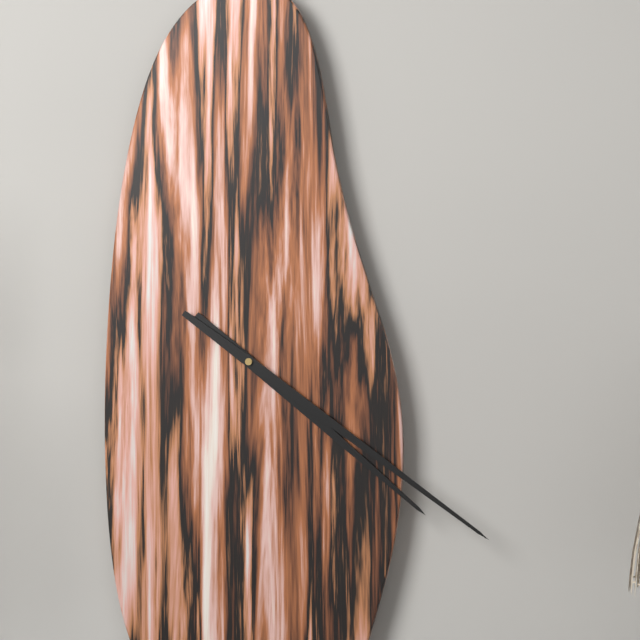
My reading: 4:21
